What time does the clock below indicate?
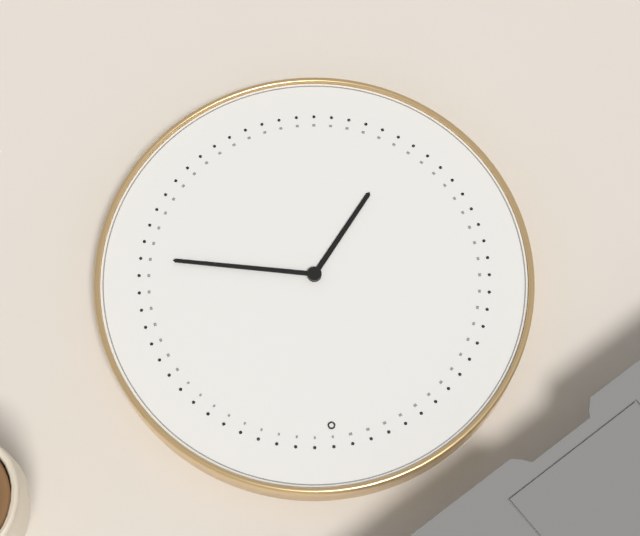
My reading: 7:17
